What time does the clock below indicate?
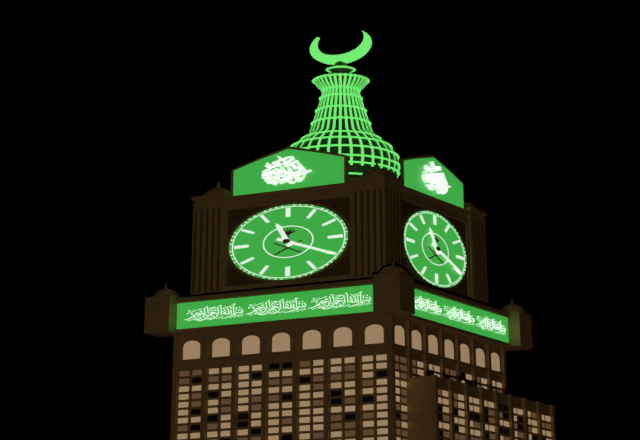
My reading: 11:20
